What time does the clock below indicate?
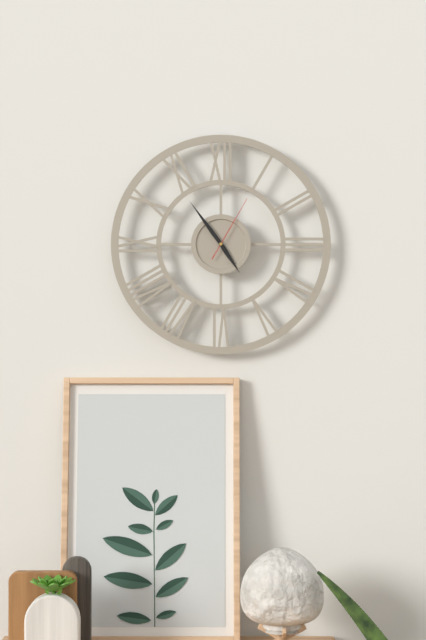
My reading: 4:54:05
